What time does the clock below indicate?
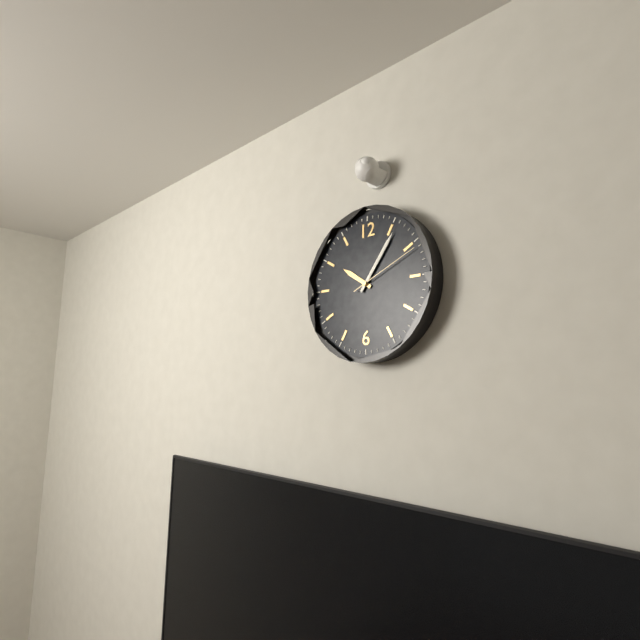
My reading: 10:06:11
